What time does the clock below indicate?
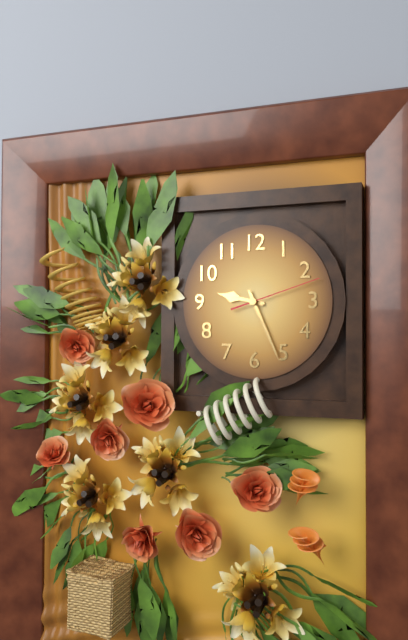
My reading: 9:26:12
